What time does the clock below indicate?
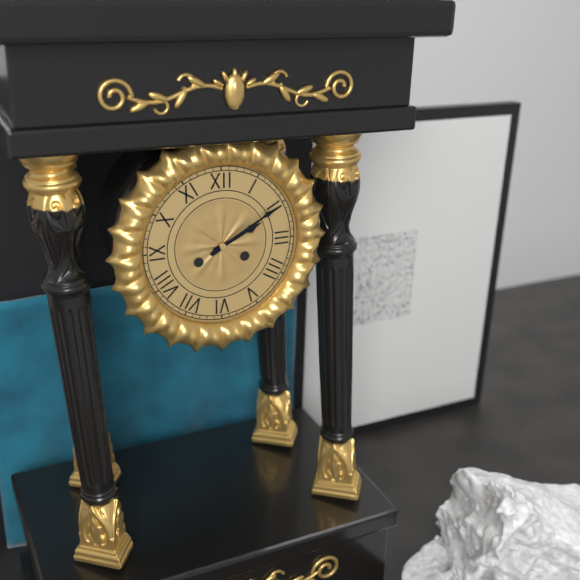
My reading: 2:10
